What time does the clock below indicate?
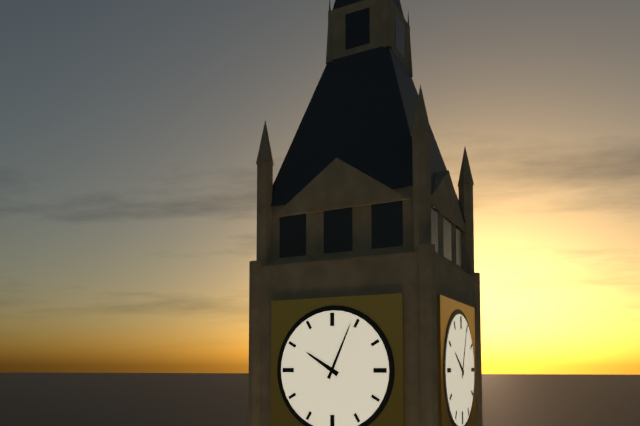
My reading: 10:04
